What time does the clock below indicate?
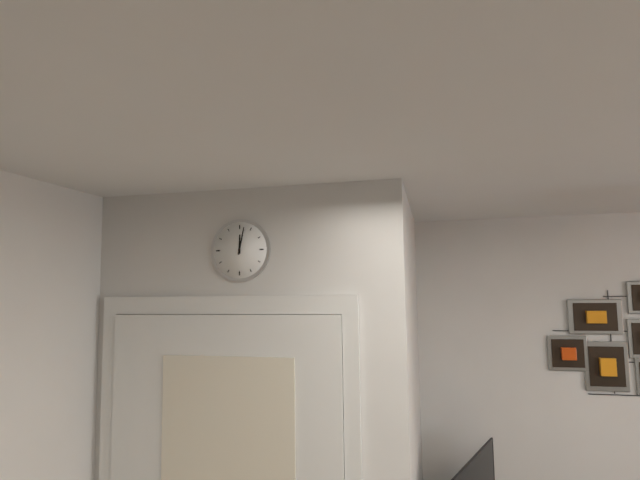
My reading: 12:02
